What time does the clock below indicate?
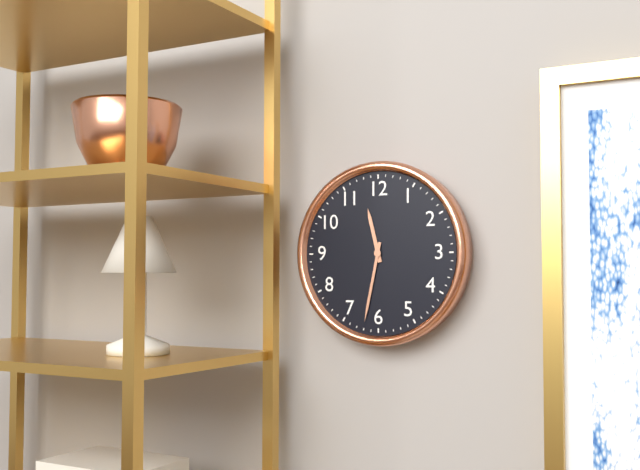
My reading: 11:32
